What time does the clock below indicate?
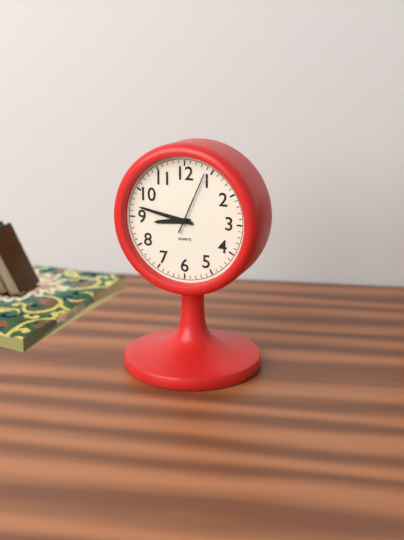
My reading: 8:47:04
